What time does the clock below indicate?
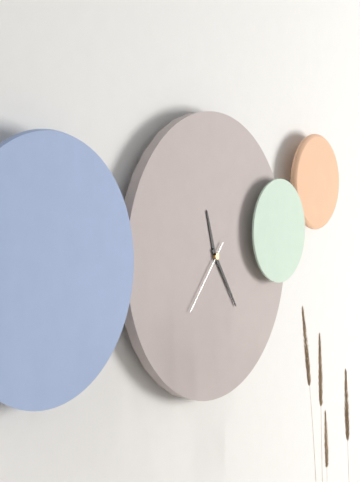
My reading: 11:24:37
